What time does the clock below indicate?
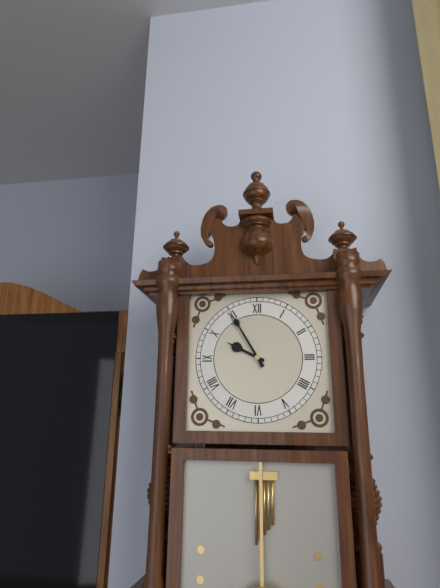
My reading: 9:55
